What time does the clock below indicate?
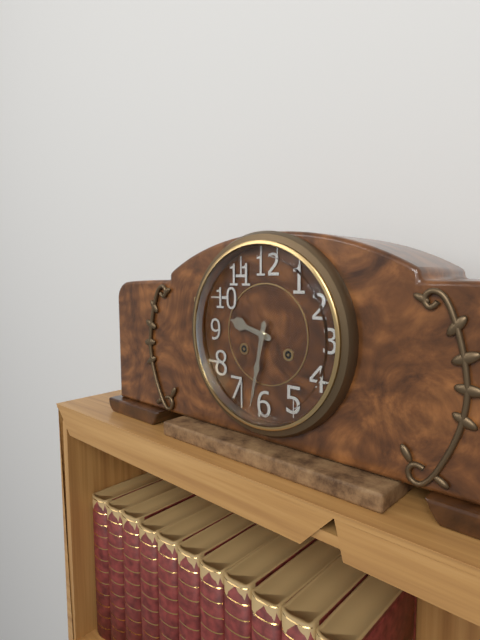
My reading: 9:32
